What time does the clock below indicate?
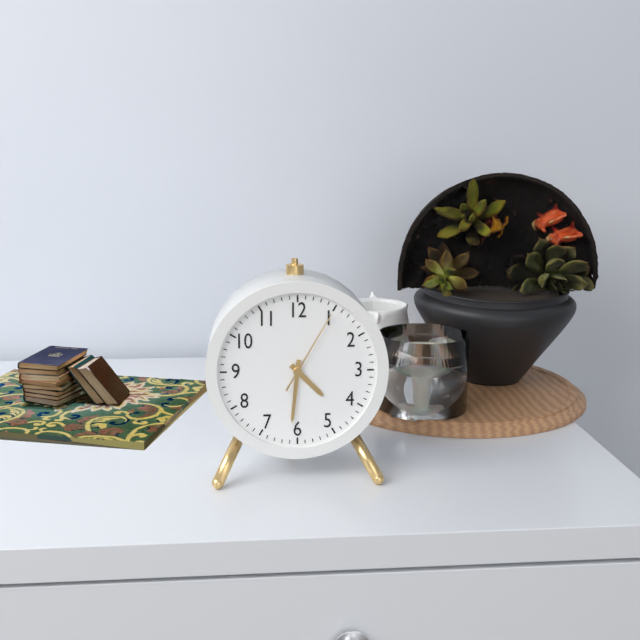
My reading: 4:31:05
